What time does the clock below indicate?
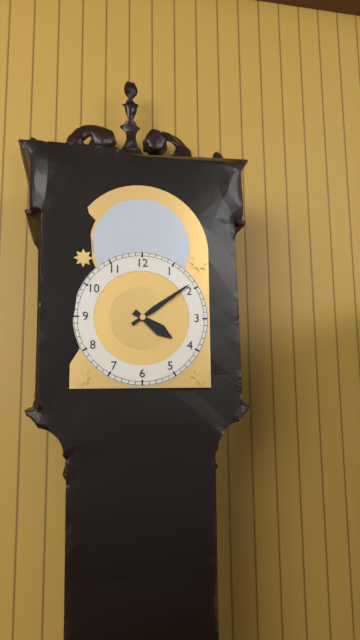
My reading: 4:09
